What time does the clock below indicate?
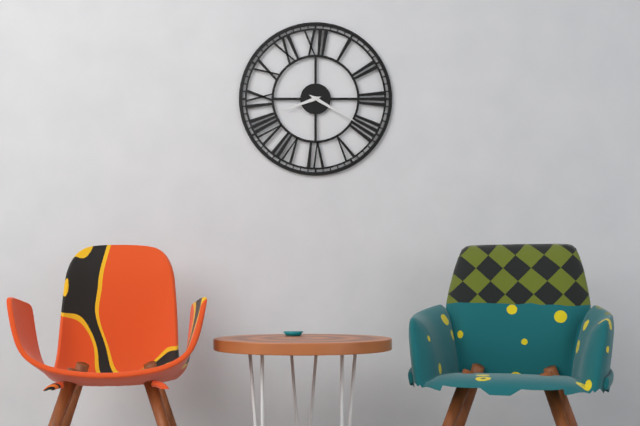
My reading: 8:20
